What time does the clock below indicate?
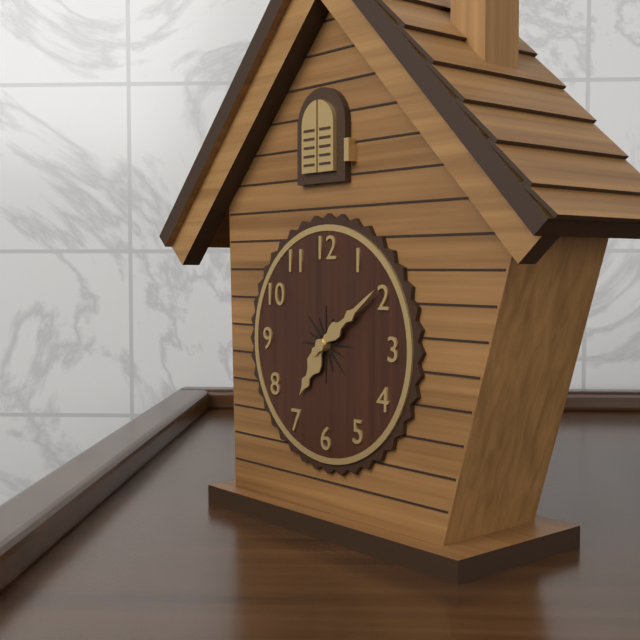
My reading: 7:09
